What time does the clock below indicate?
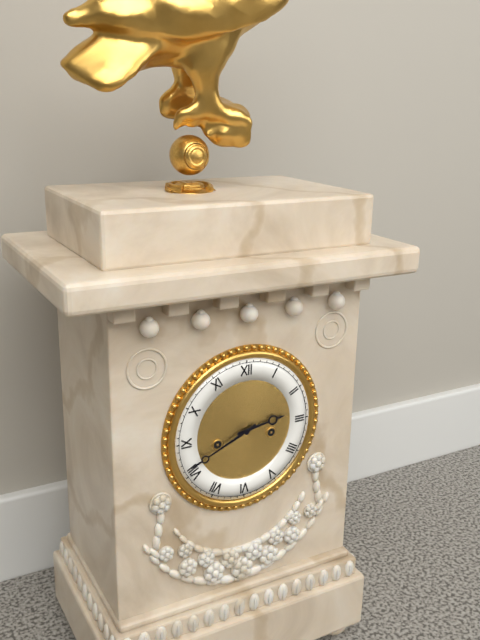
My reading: 2:41
